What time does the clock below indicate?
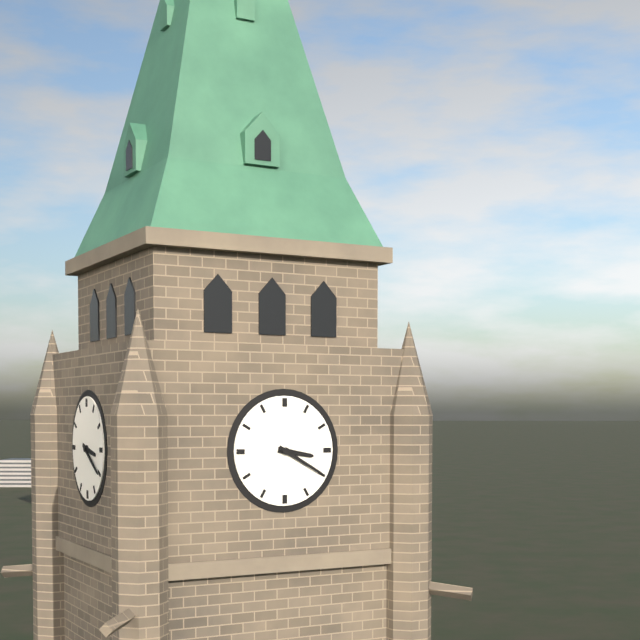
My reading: 3:20
